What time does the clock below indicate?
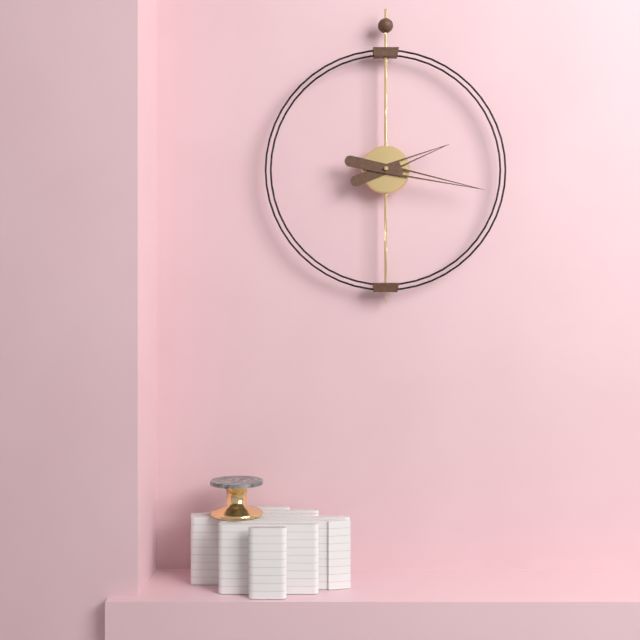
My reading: 2:17
